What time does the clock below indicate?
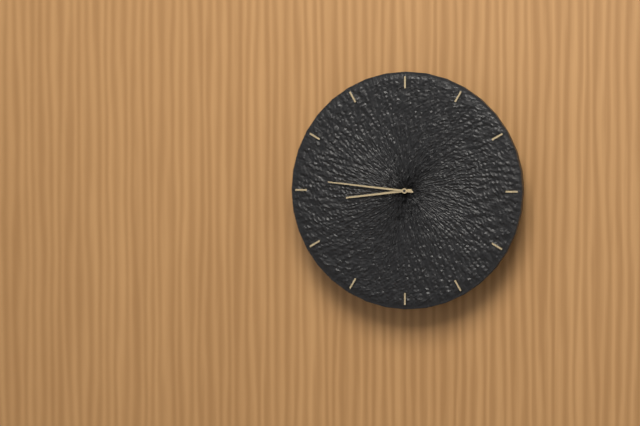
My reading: 8:46
